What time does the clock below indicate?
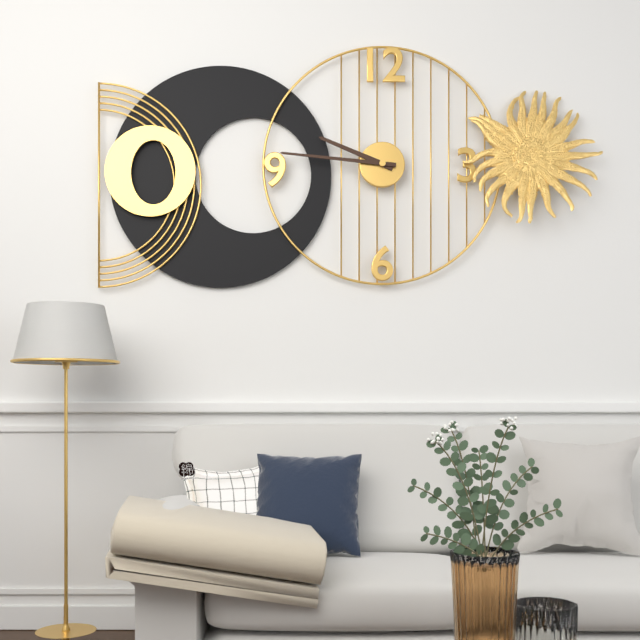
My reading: 9:46
